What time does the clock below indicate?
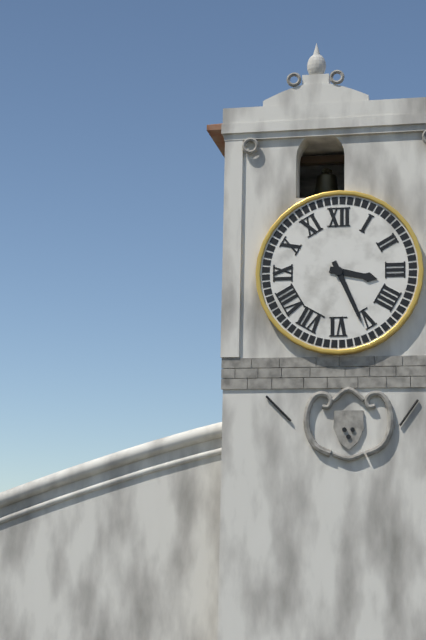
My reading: 3:26
